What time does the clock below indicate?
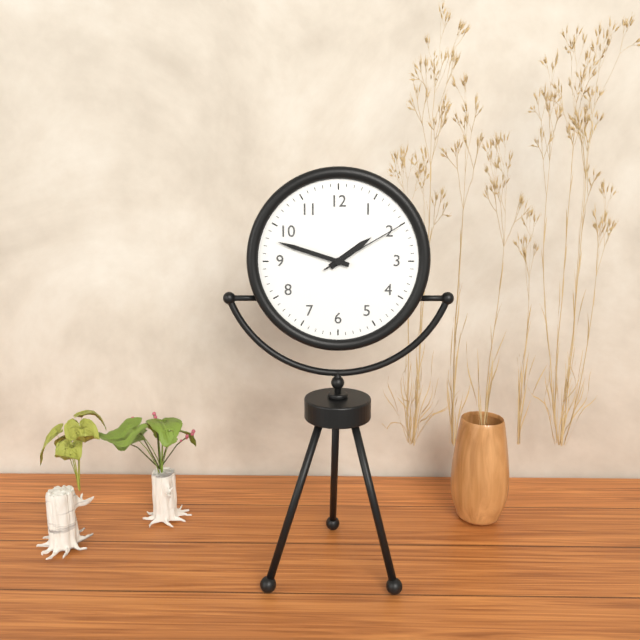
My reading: 1:48:10
